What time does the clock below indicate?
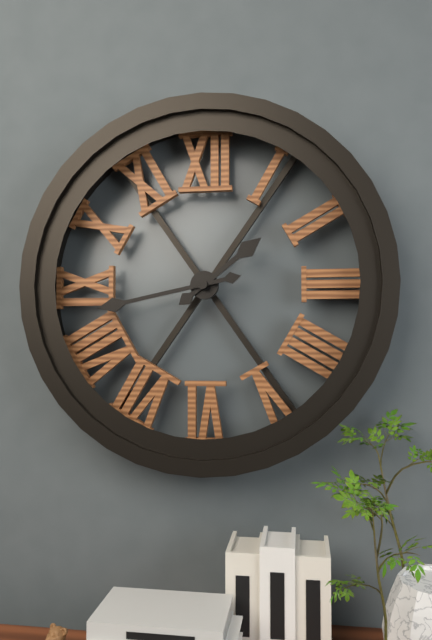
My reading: 1:43
